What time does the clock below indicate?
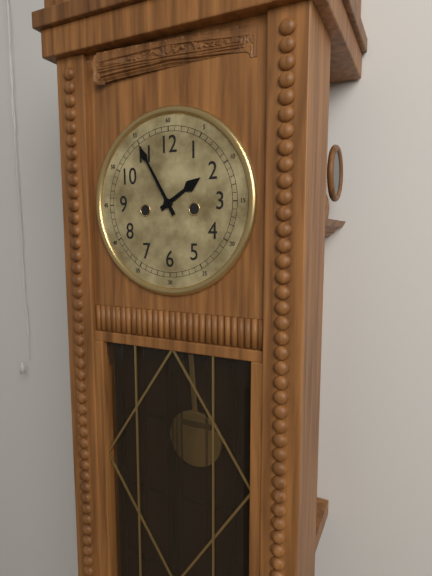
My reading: 1:55
